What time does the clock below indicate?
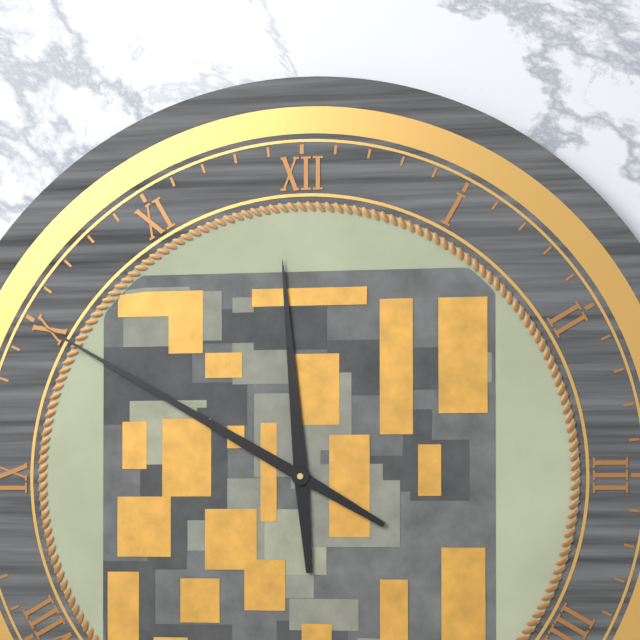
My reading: 11:50
